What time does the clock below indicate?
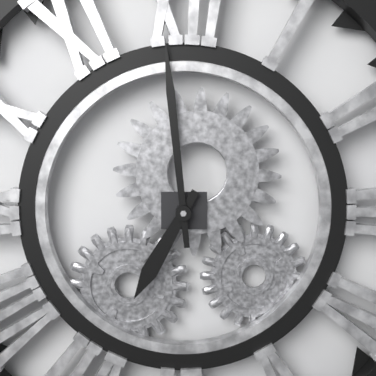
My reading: 6:59
